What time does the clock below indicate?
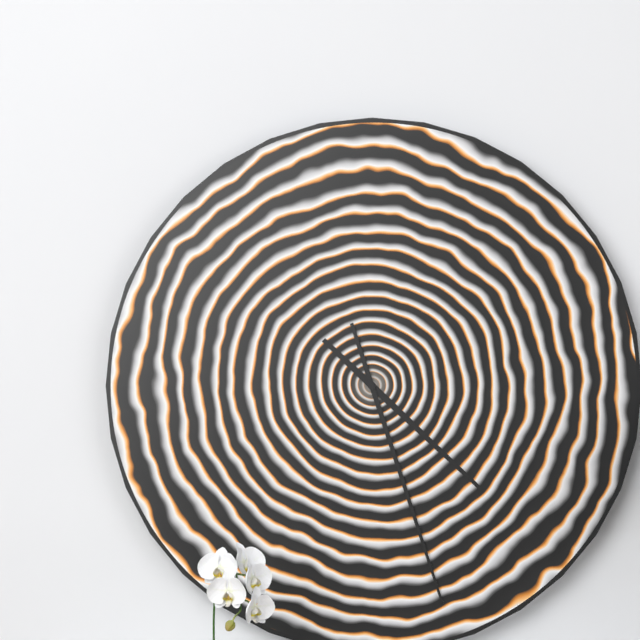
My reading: 4:27
